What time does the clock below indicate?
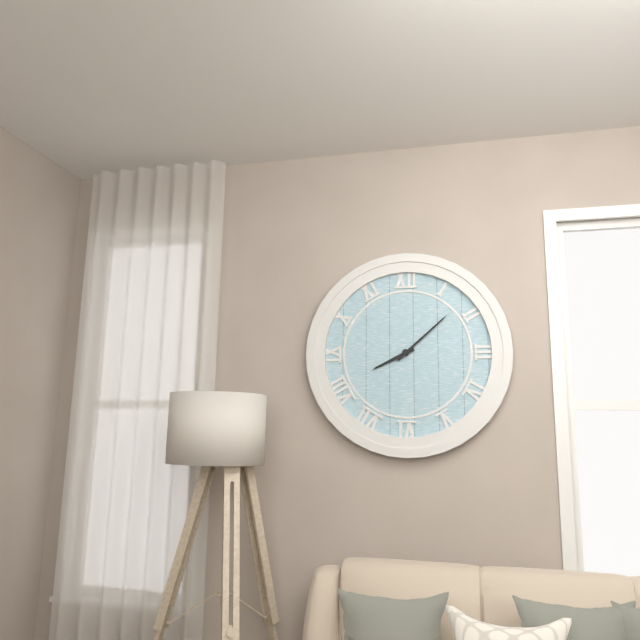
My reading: 8:08
